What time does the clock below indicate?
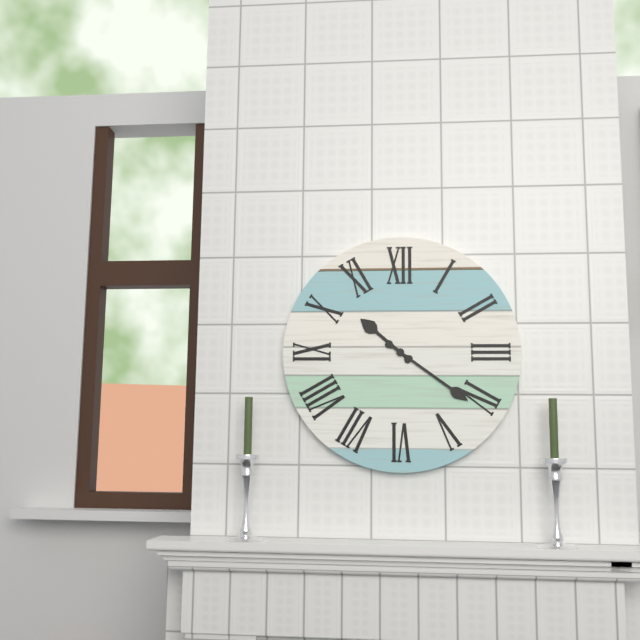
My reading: 10:21
